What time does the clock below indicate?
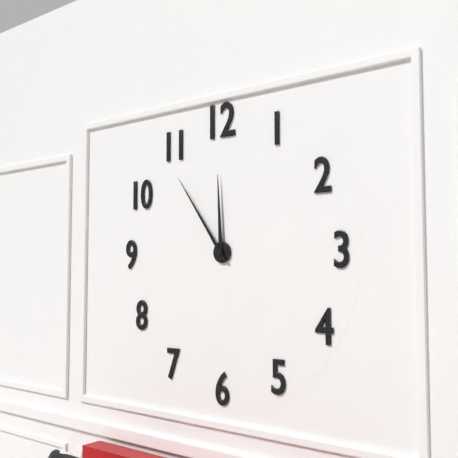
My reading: 11:54
